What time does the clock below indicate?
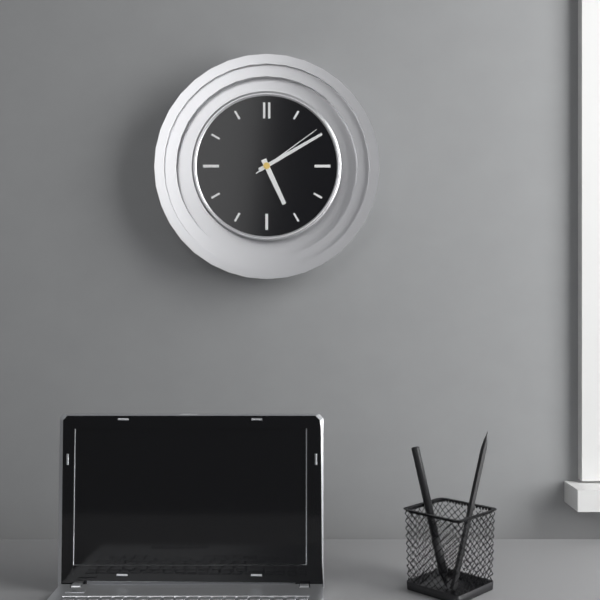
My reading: 5:10:09
